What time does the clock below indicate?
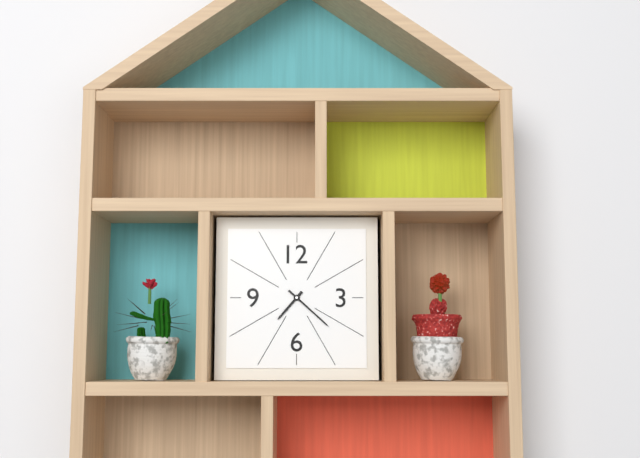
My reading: 7:22
